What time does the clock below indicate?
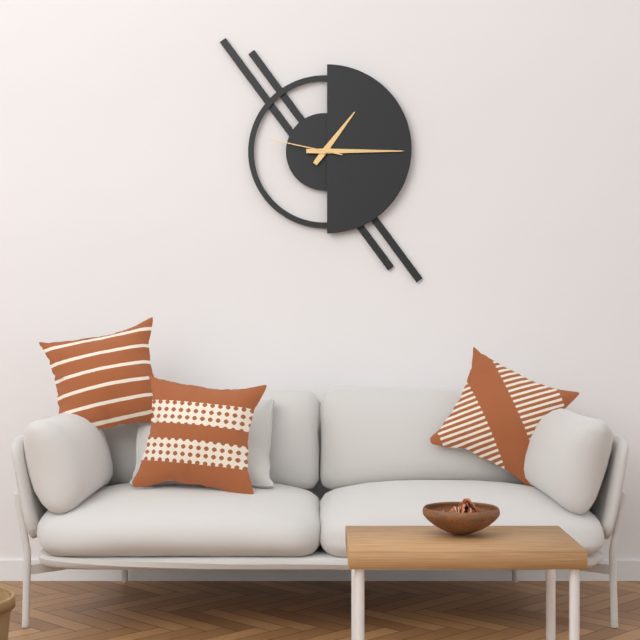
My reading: 1:15:47
